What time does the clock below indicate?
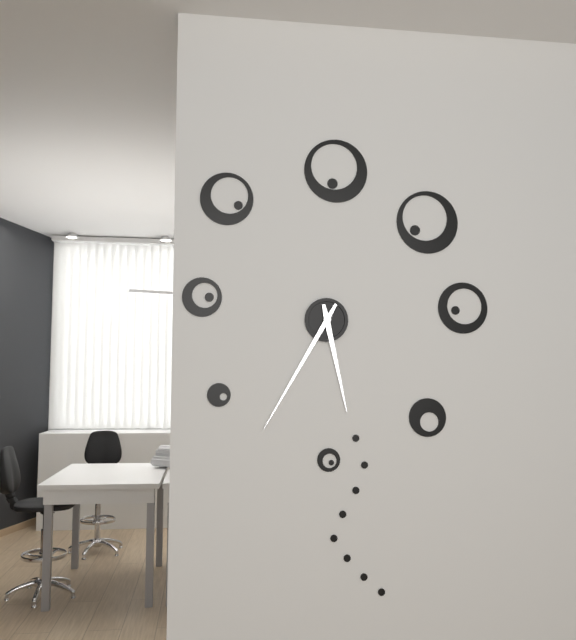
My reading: 5:35
